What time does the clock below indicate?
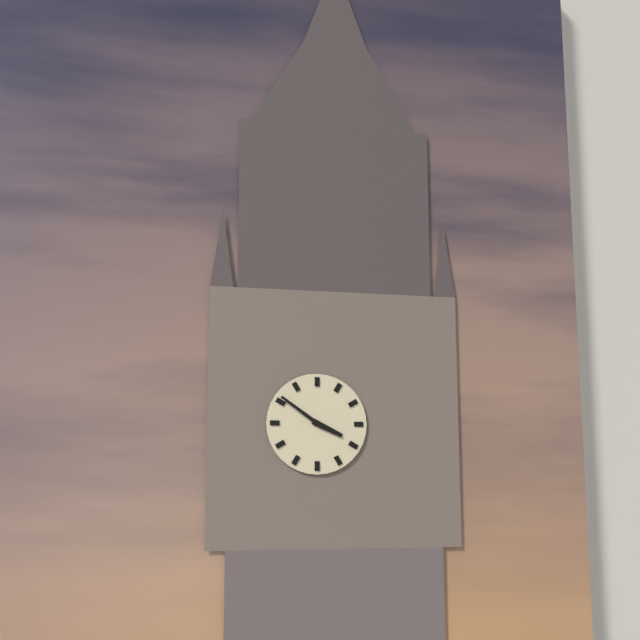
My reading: 3:51
